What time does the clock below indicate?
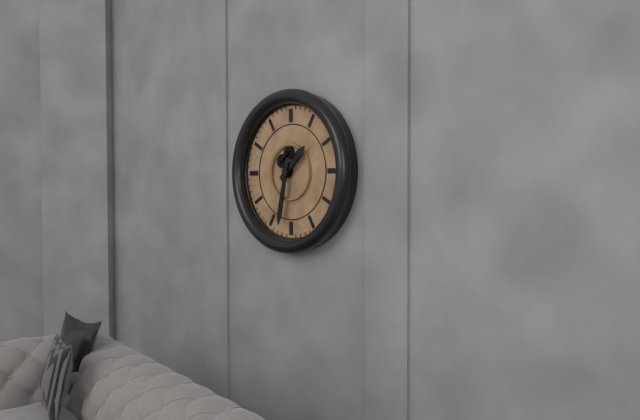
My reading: 1:32
